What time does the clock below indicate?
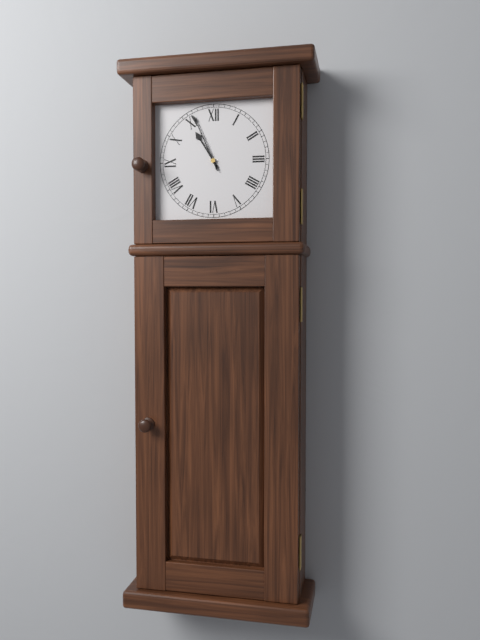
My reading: 10:56
